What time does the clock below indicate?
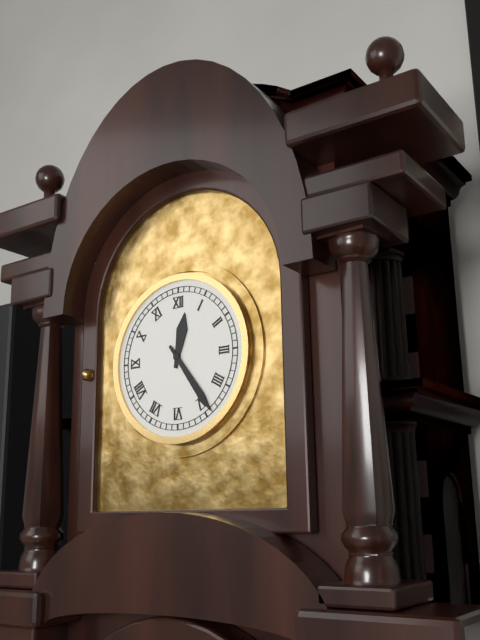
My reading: 12:24
